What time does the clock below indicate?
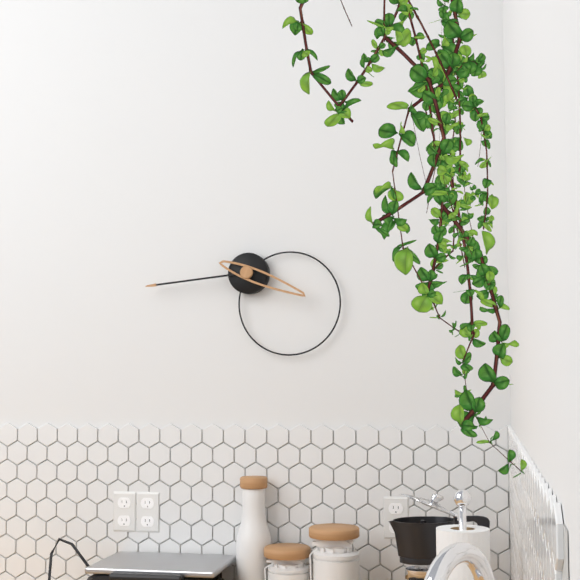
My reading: 3:44
